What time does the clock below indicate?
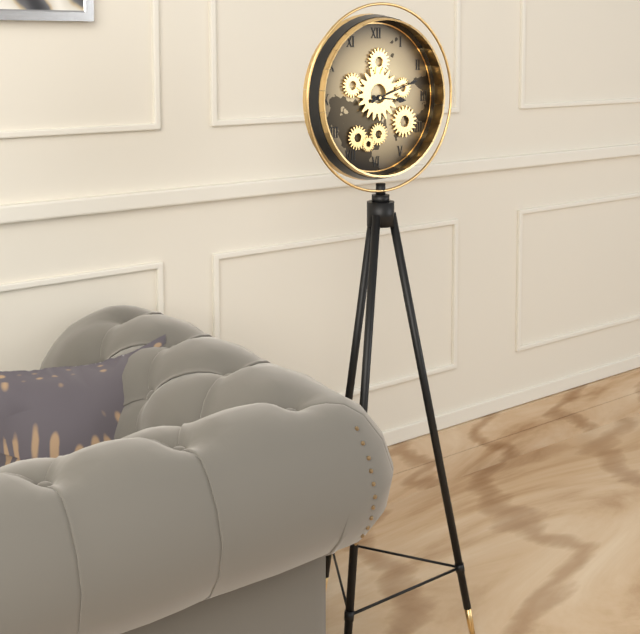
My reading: 3:12
